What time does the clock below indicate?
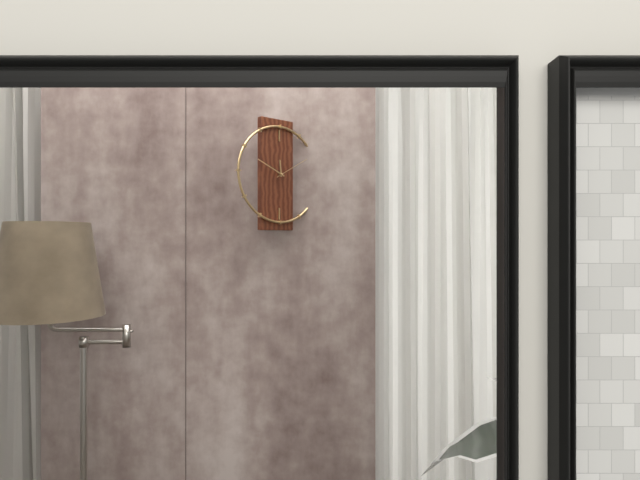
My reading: 11:49
